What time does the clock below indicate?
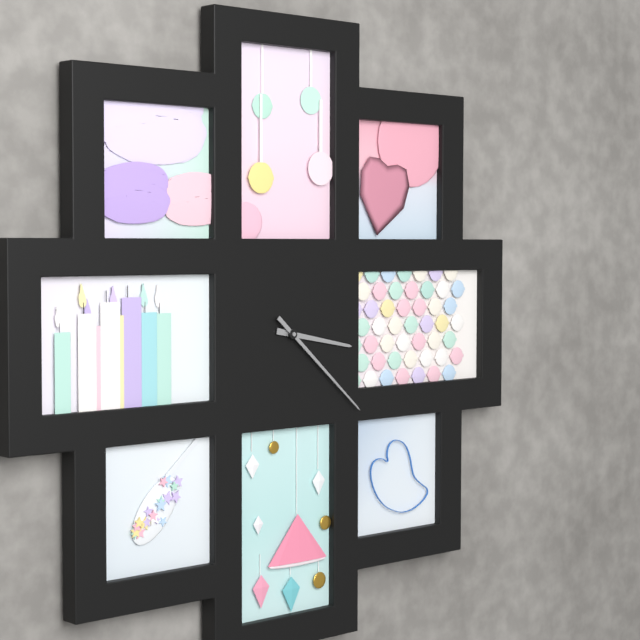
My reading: 3:22
